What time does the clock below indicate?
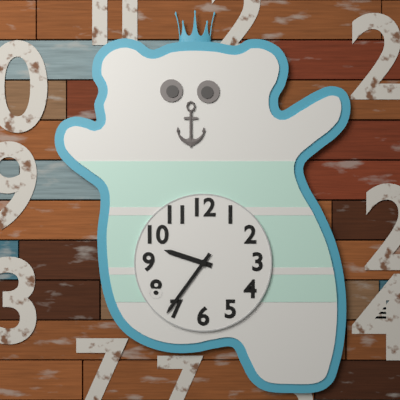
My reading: 9:36
